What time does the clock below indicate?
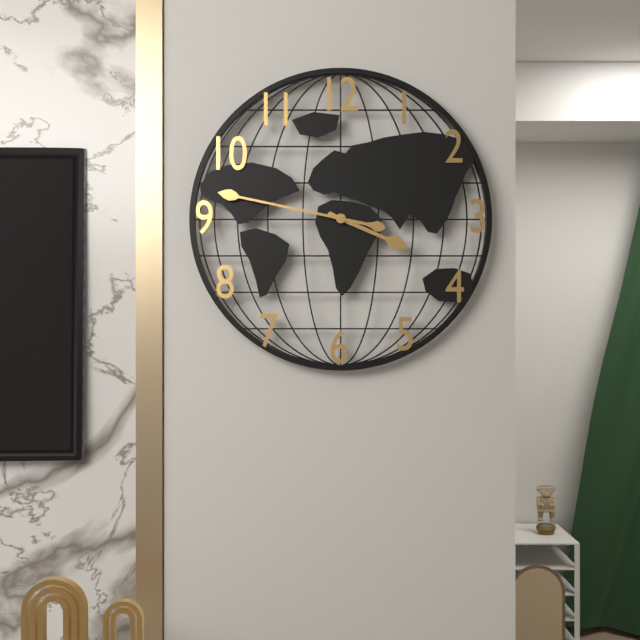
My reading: 3:47
